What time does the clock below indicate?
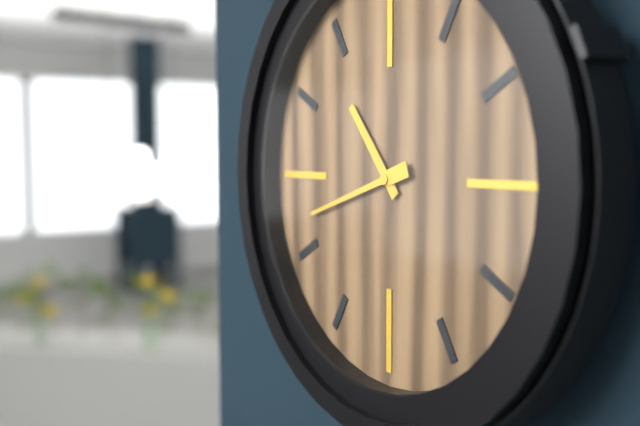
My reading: 10:42
